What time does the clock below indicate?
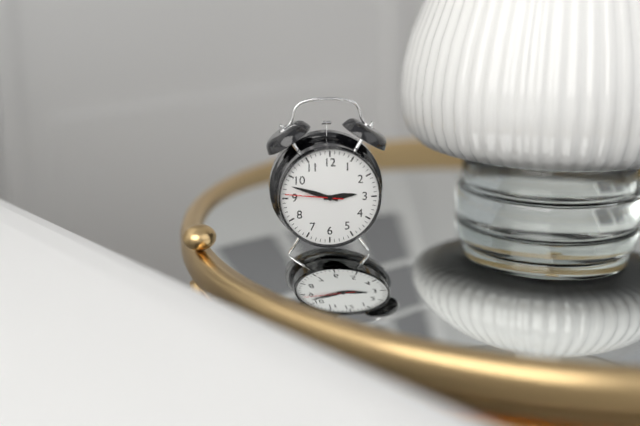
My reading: 2:48:46
